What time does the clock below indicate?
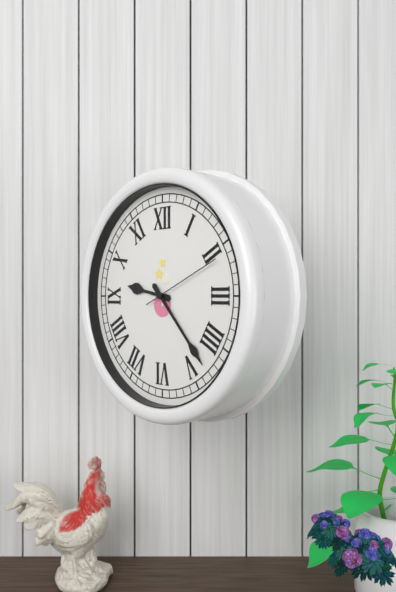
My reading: 9:23:11
